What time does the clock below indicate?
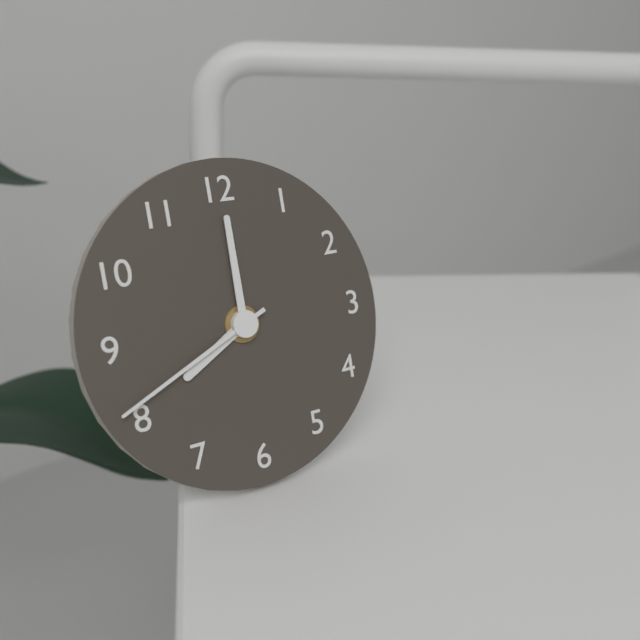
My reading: 8:00:41
